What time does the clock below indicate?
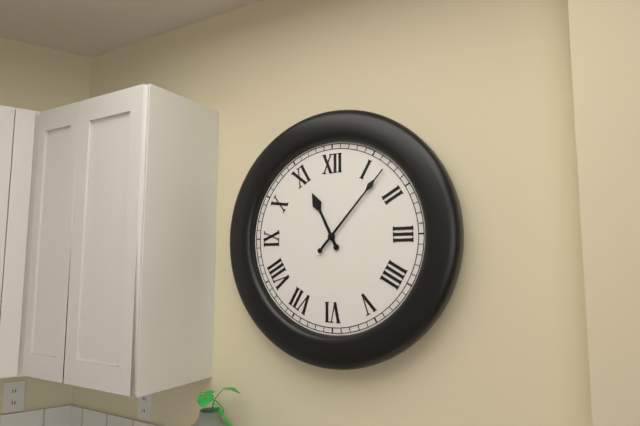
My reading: 11:07
